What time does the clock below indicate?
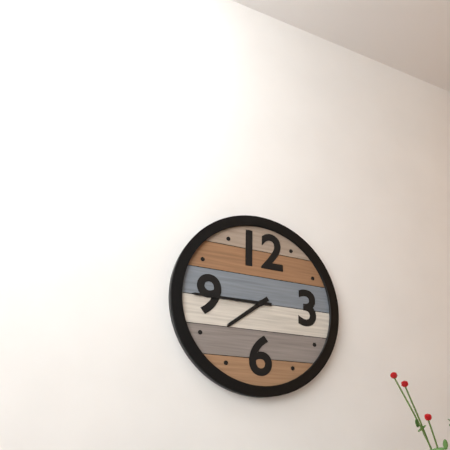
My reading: 7:45
